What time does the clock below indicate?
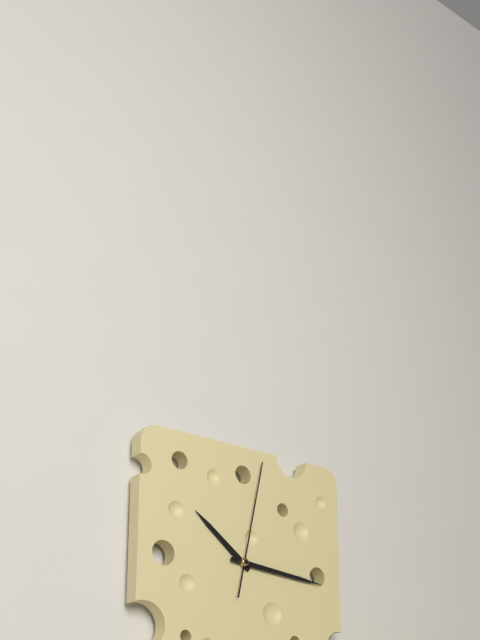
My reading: 10:16:02
